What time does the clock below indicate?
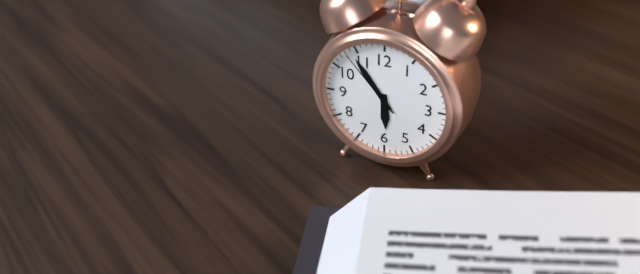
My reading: 5:54:53
